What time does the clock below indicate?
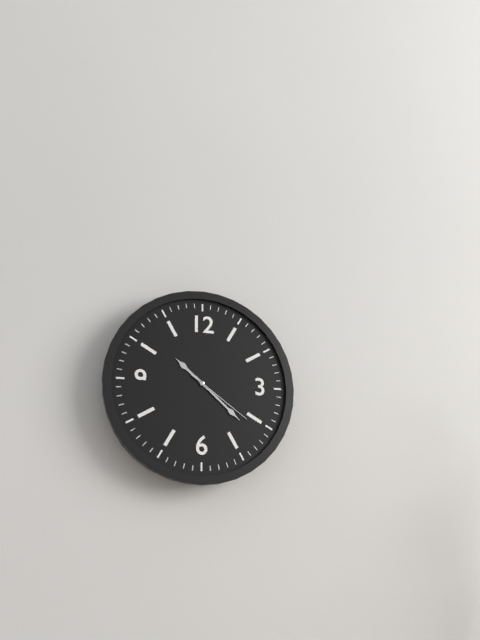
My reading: 10:22:21
